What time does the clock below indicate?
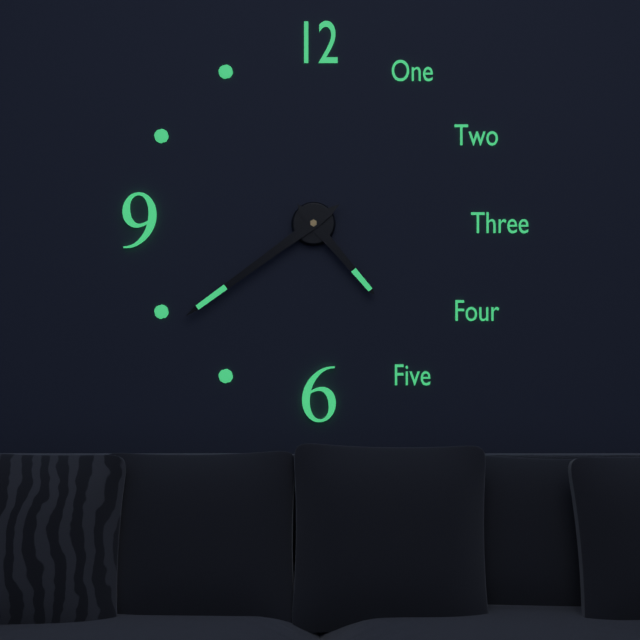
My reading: 4:39
